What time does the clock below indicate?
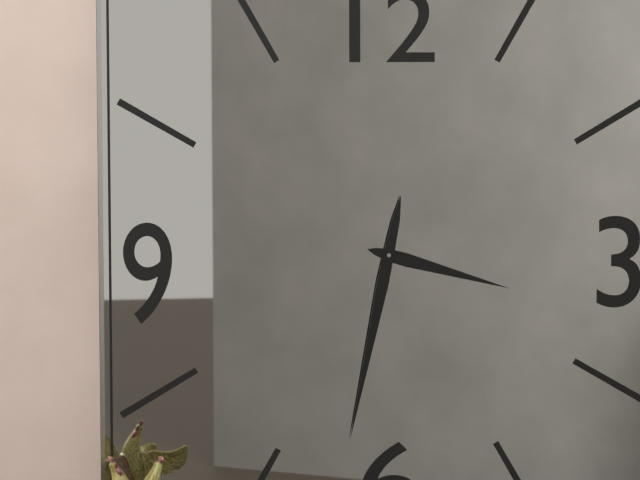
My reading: 3:32
